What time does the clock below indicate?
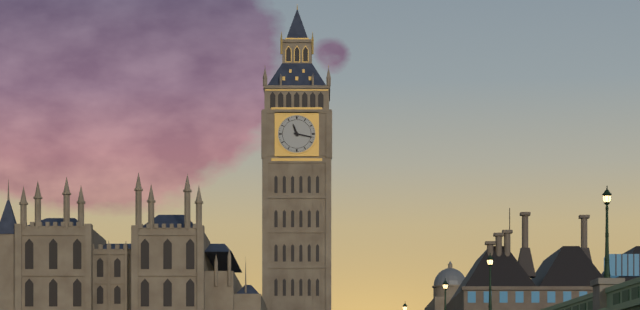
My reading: 11:17
